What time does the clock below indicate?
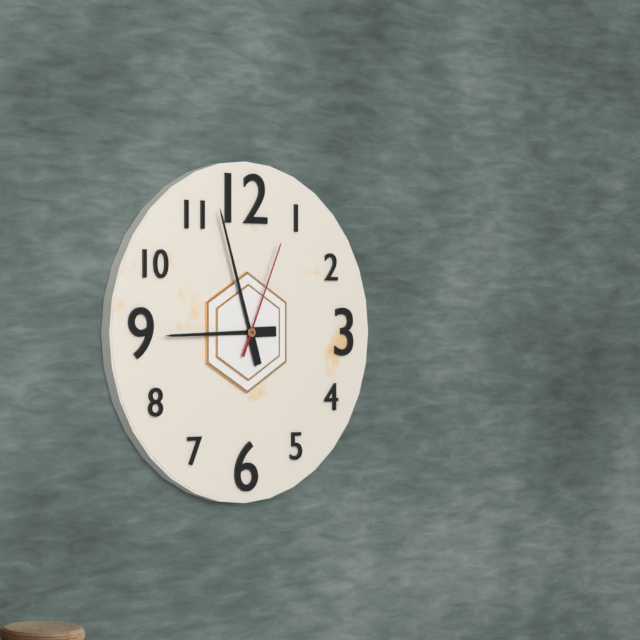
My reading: 8:57:04
